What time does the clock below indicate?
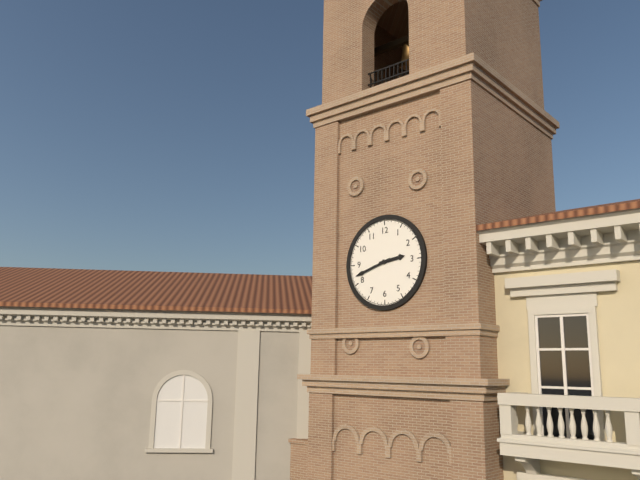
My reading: 2:42
